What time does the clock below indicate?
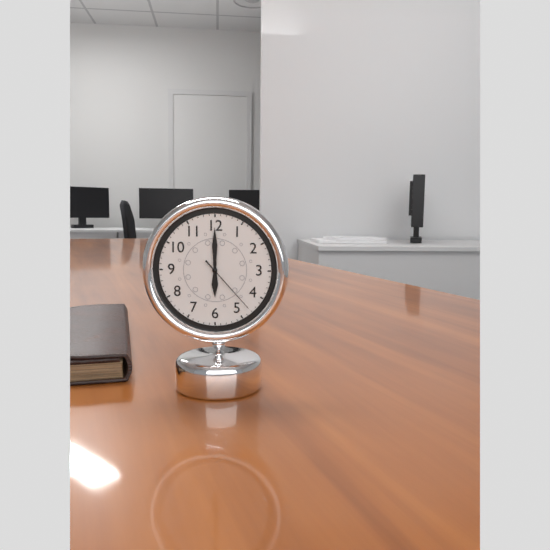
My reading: 6:00:23
